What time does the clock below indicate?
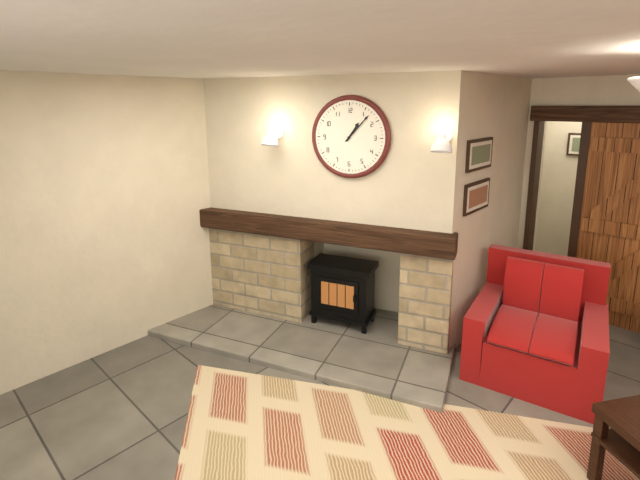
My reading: 1:07
